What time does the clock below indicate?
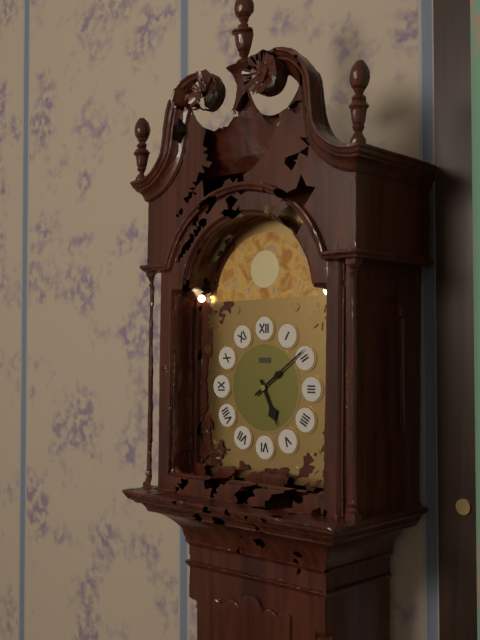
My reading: 5:09
